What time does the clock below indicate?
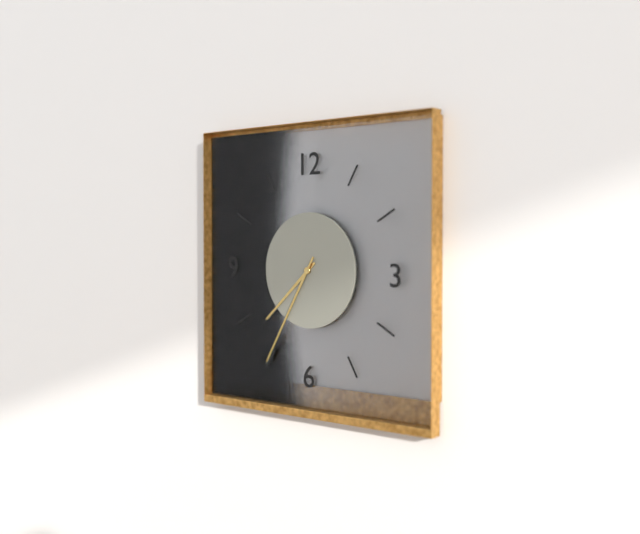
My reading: 7:35
